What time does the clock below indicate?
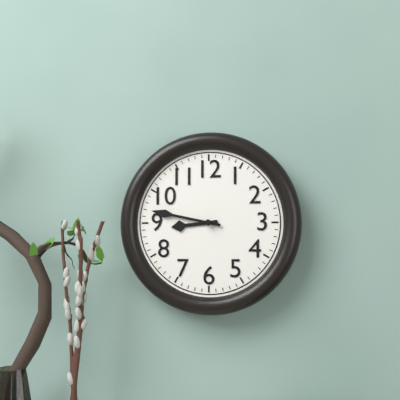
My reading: 8:47
